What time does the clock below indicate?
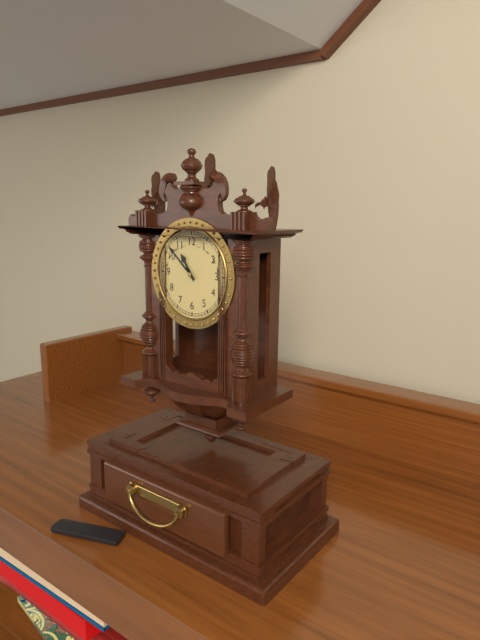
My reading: 10:52
